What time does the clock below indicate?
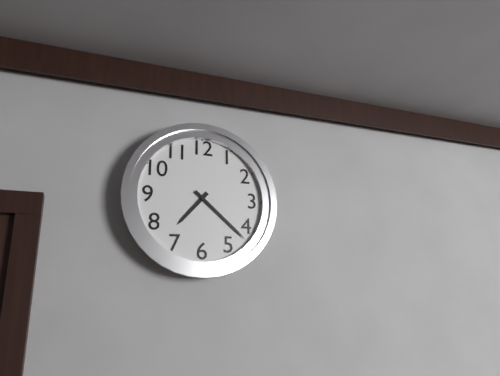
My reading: 7:22
